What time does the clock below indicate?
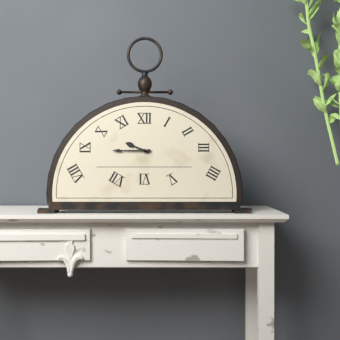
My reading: 9:45
